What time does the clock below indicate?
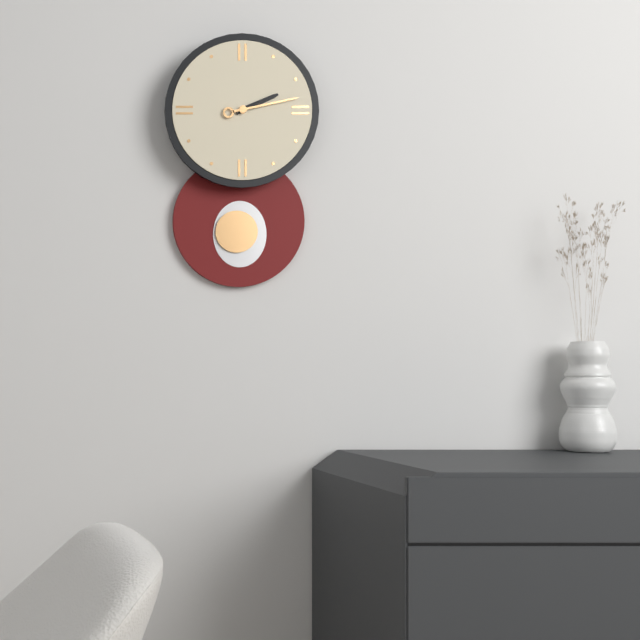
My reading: 2:13
